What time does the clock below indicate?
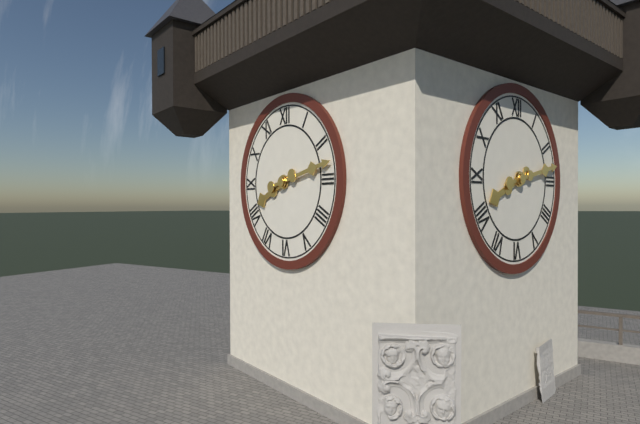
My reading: 8:13
